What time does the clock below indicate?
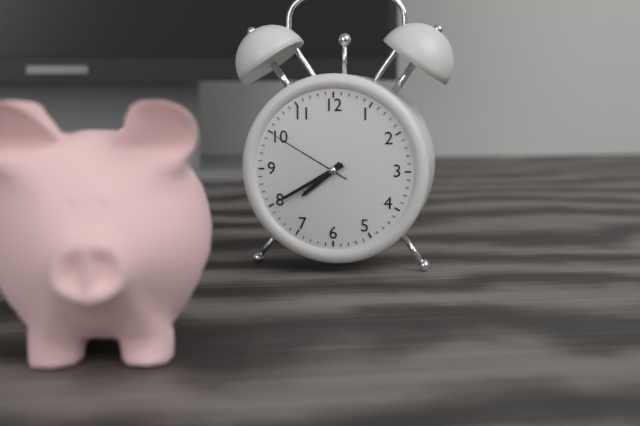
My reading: 7:40:50
